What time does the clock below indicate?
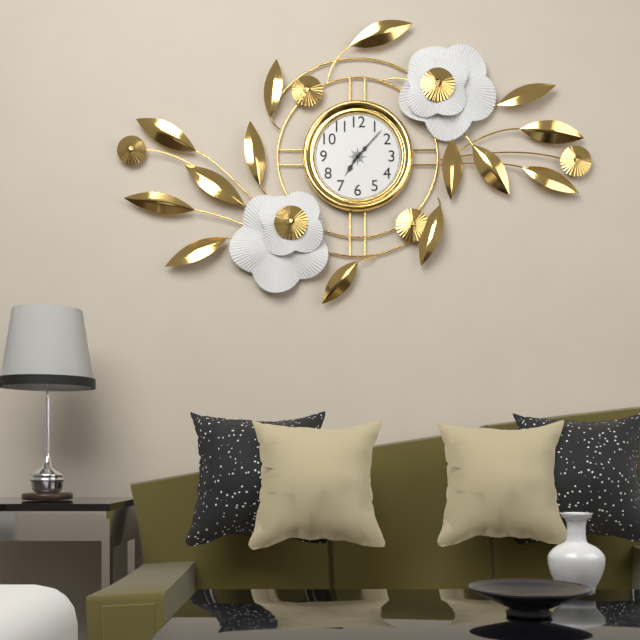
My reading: 7:07
